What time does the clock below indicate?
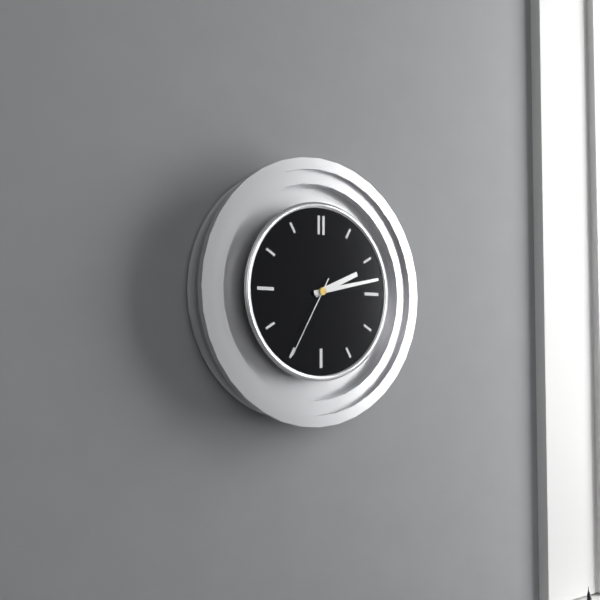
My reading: 2:13:35
